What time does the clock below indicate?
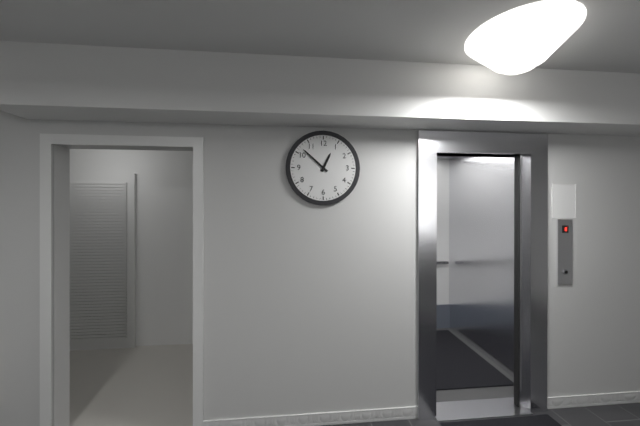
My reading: 12:52
